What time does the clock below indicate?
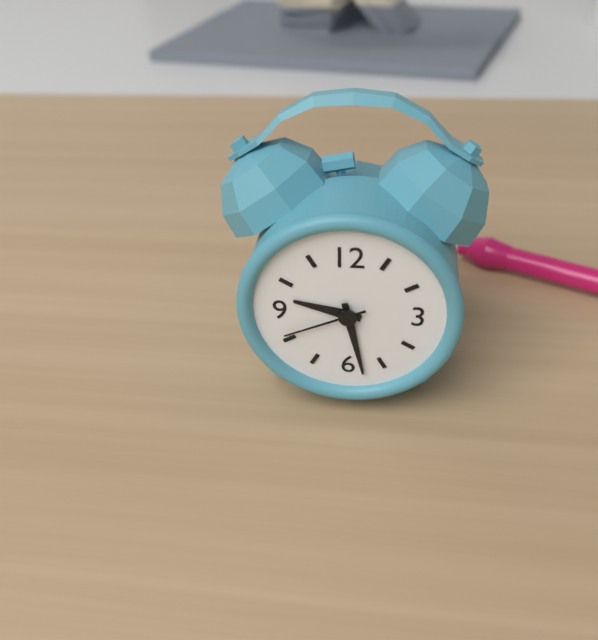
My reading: 9:28:41
